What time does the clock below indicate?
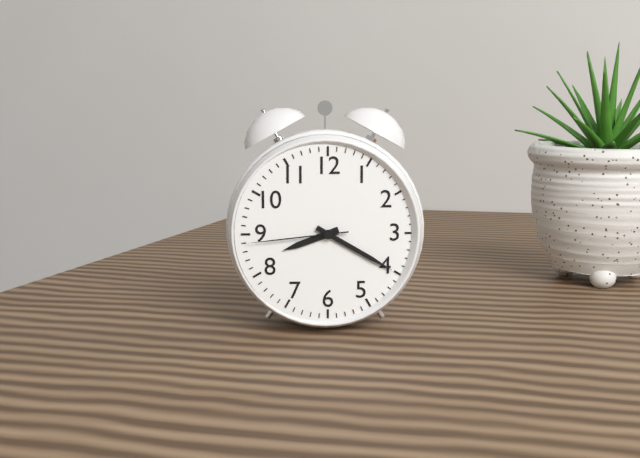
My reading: 8:20:44
